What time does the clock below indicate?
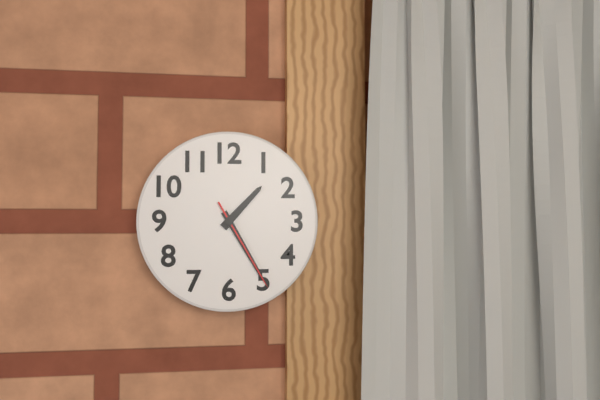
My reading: 1:25:25
